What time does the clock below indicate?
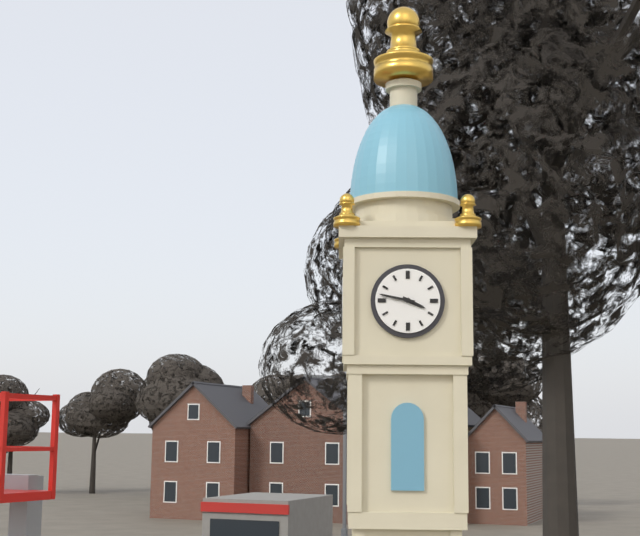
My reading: 3:47
